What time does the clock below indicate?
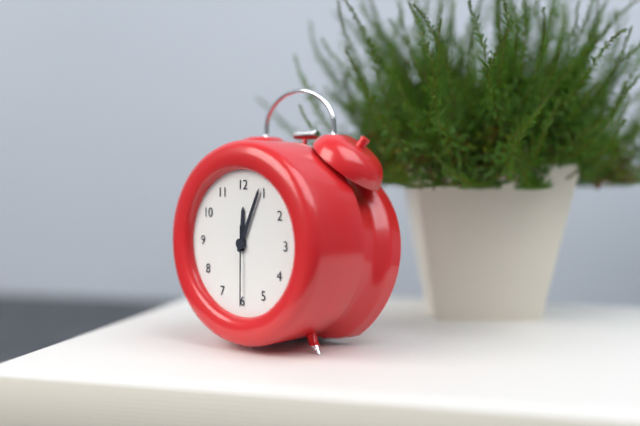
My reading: 12:04:30
